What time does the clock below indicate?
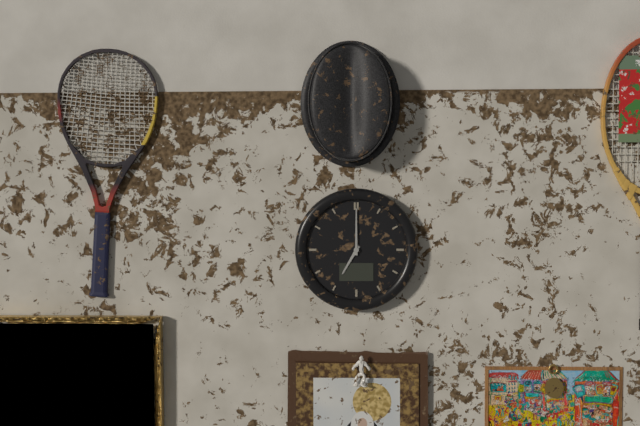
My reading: 7:00
